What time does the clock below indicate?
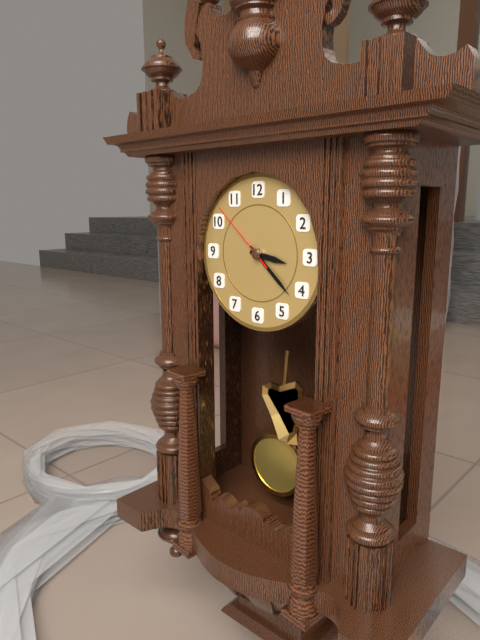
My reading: 3:22:52
